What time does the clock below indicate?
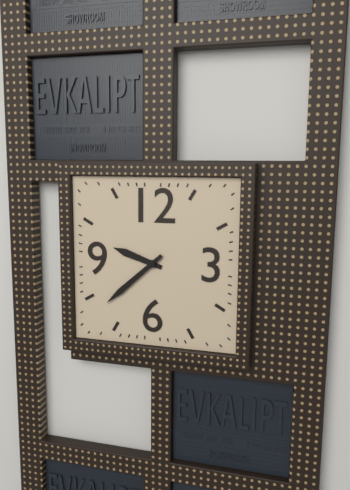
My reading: 9:38
